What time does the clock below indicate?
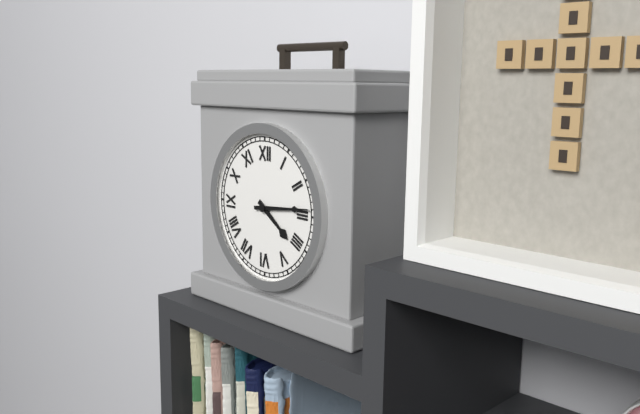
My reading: 4:14
